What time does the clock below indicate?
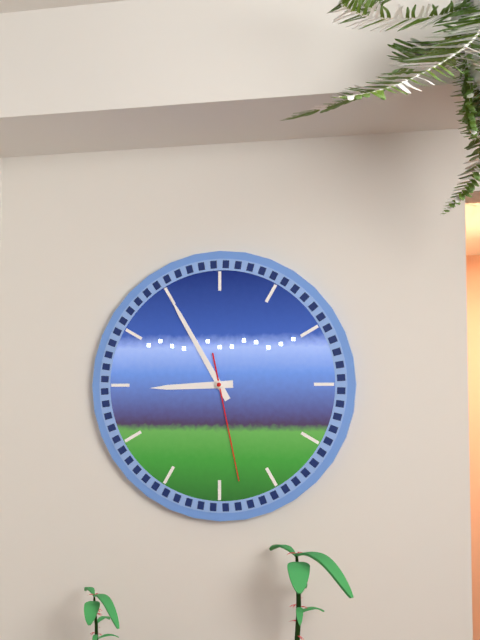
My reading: 8:55:28
